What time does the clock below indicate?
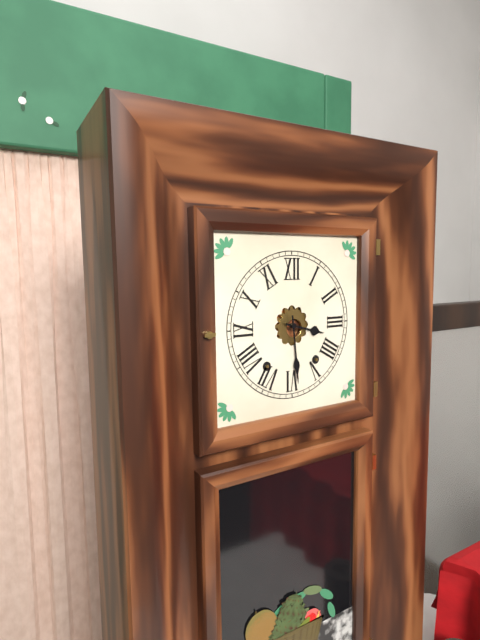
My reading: 3:29
